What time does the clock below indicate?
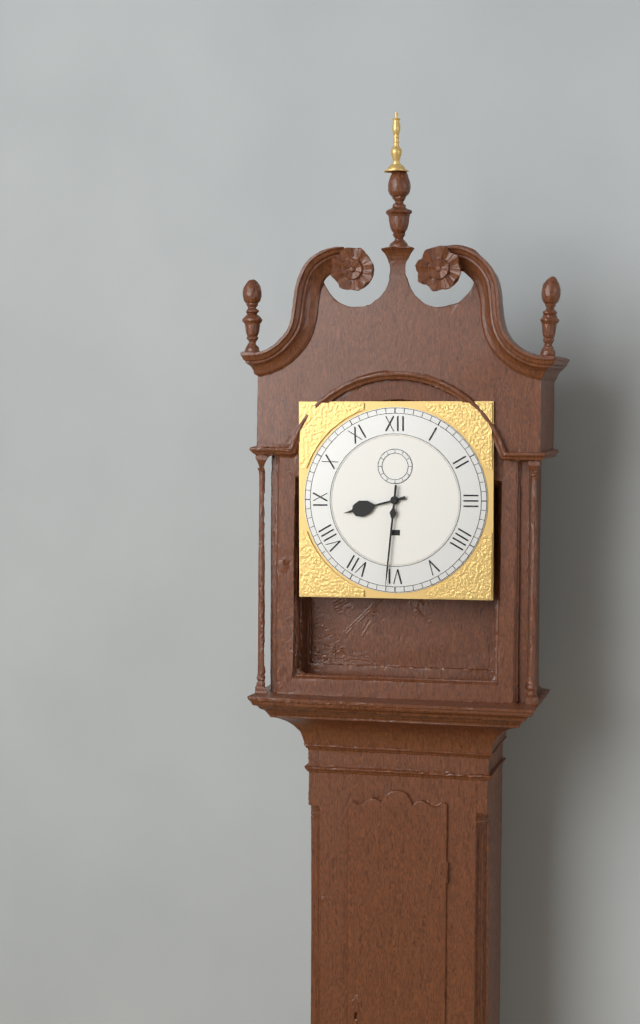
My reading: 8:31
